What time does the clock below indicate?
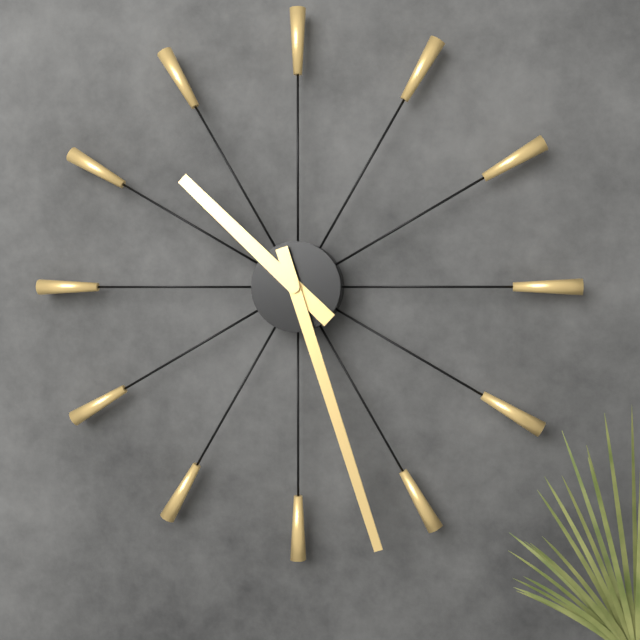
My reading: 10:27
